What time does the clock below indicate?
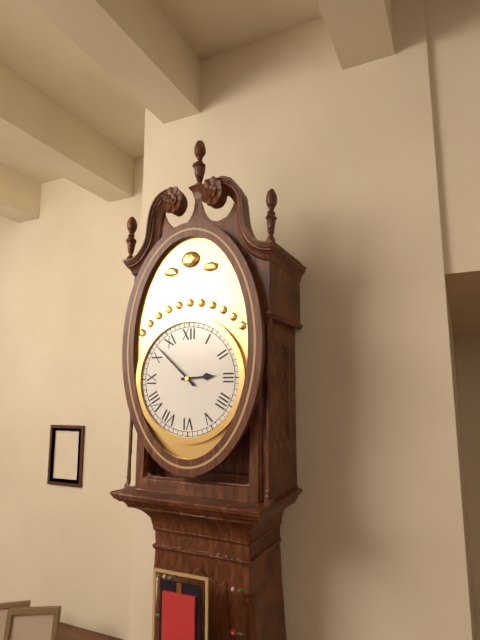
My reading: 2:52
